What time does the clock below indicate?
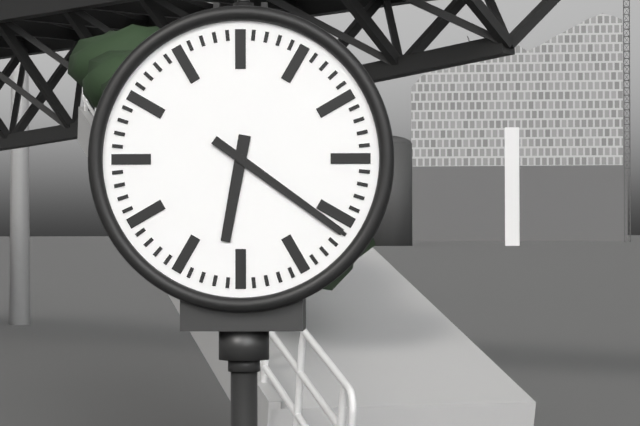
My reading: 6:21
